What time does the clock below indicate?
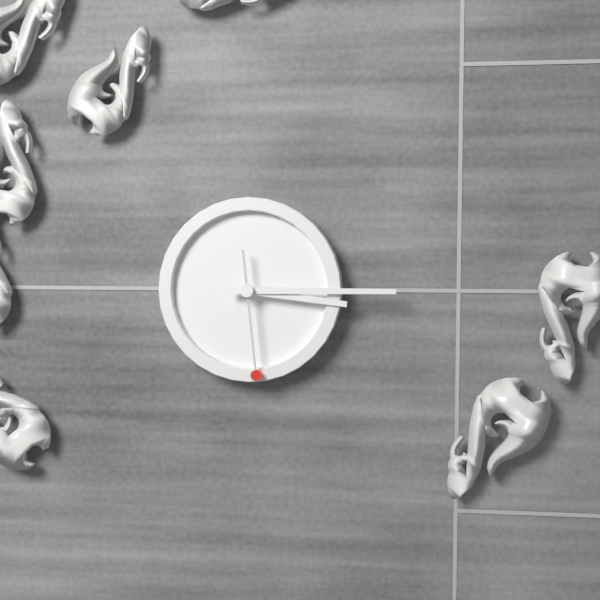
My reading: 3:15:29
